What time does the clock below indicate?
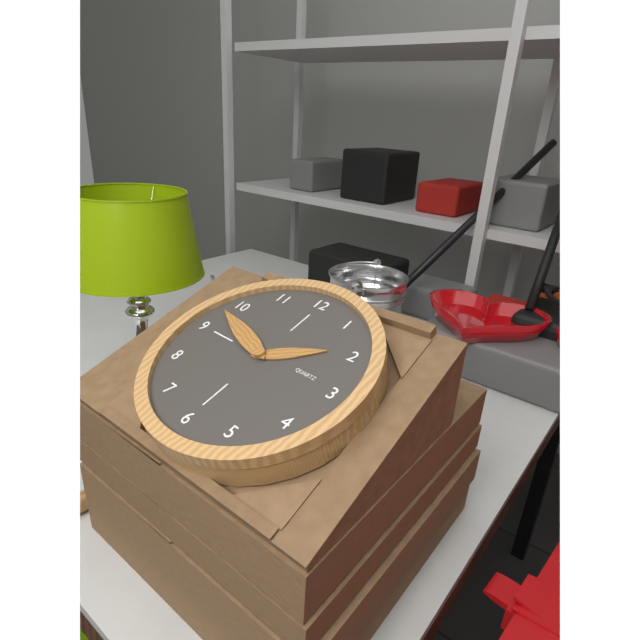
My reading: 1:48
